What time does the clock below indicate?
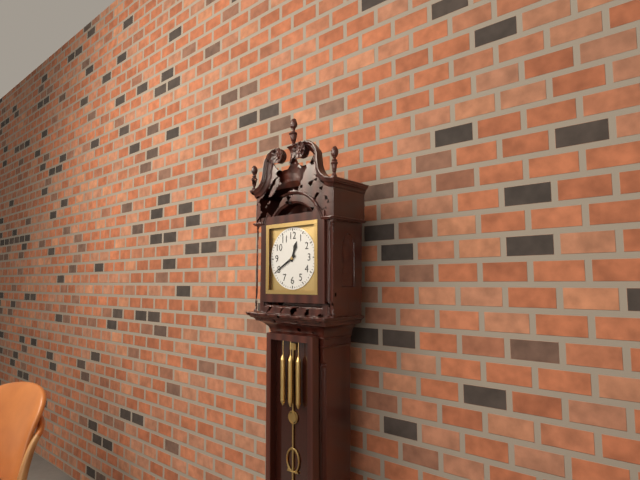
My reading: 12:40
